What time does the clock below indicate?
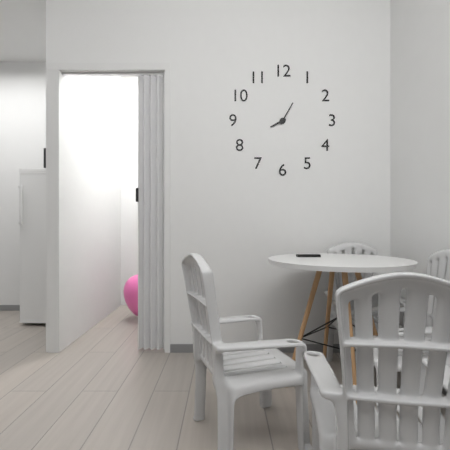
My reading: 8:05
